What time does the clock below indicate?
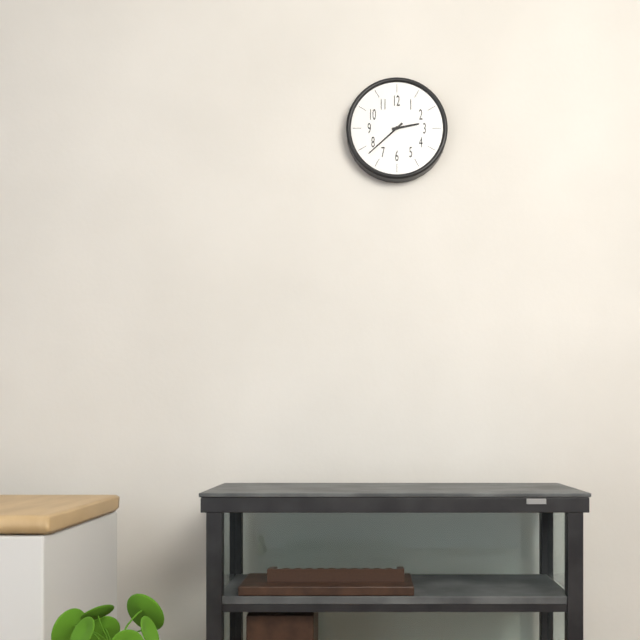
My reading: 2:38
